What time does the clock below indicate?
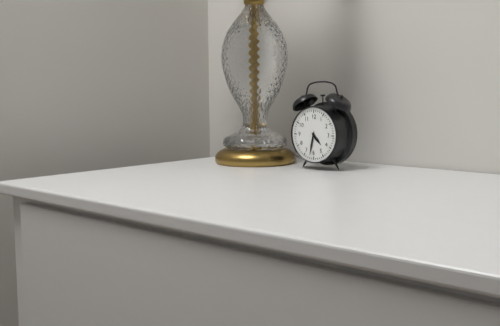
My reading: 4:32
